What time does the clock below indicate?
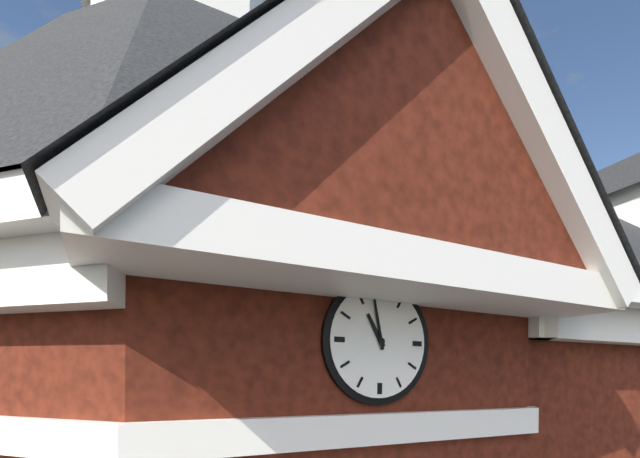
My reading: 10:58
